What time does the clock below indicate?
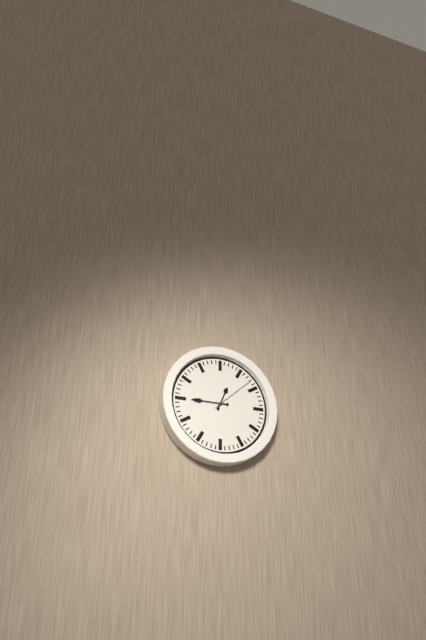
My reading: 12:45
